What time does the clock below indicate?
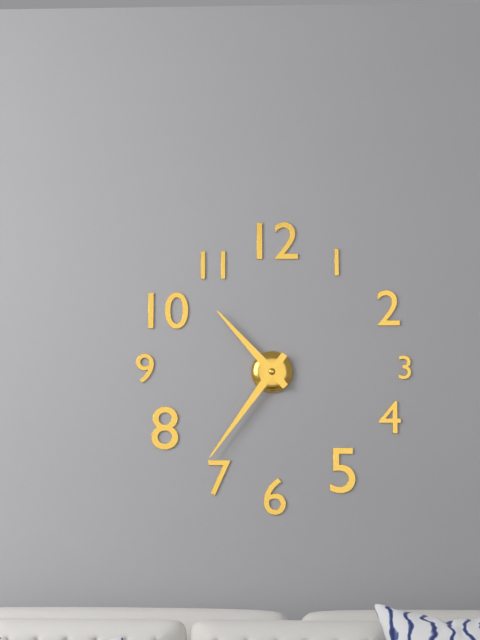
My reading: 10:36
